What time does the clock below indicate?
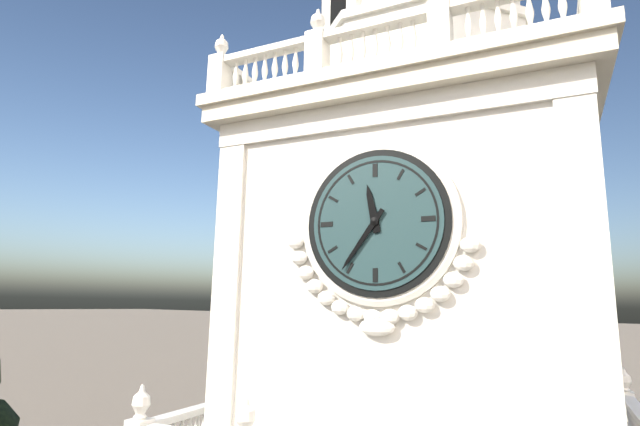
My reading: 11:36
